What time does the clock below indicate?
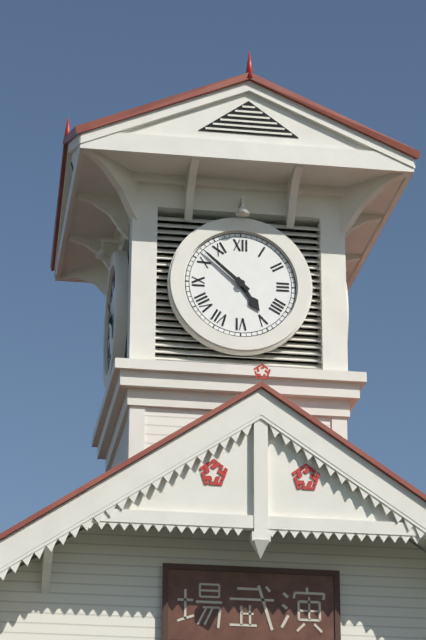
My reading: 4:52
